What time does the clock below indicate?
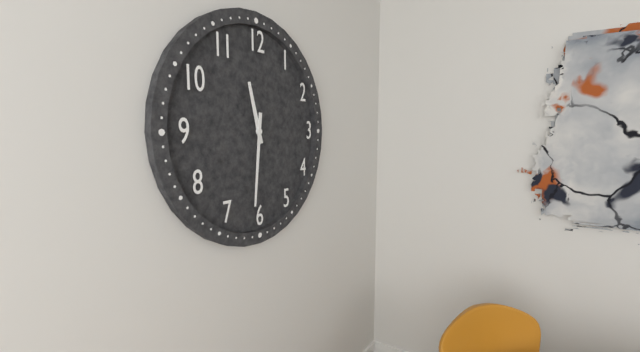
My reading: 11:31
